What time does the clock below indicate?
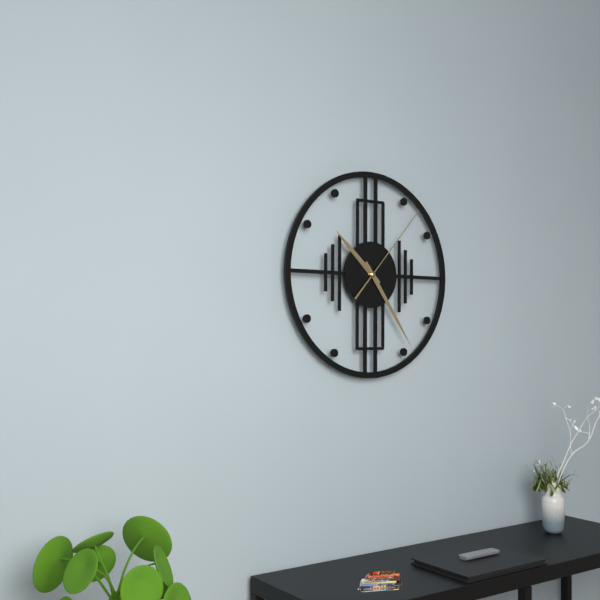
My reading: 10:24:07
